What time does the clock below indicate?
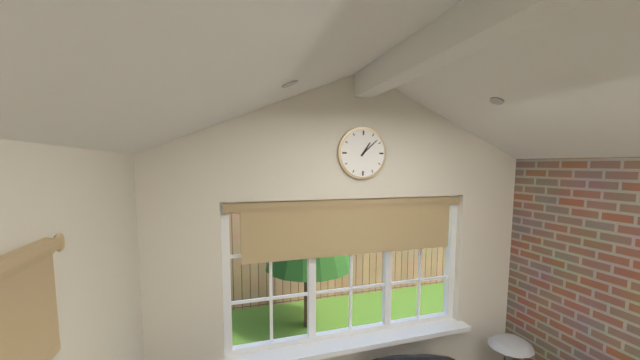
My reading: 1:08
